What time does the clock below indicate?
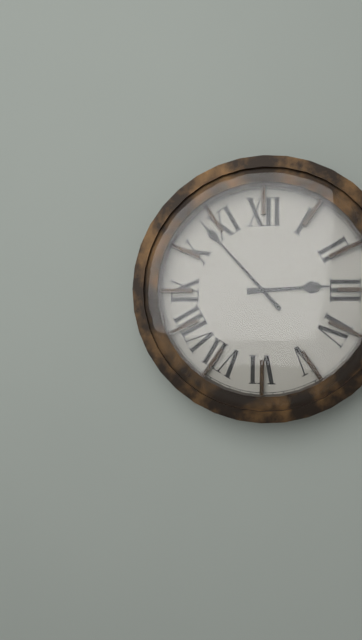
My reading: 2:53
